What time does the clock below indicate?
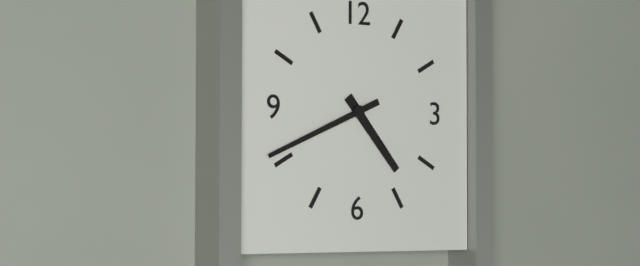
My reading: 4:41
